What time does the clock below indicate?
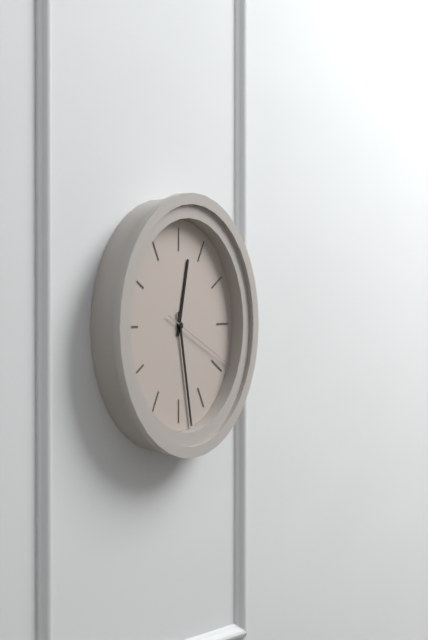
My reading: 12:28:19
